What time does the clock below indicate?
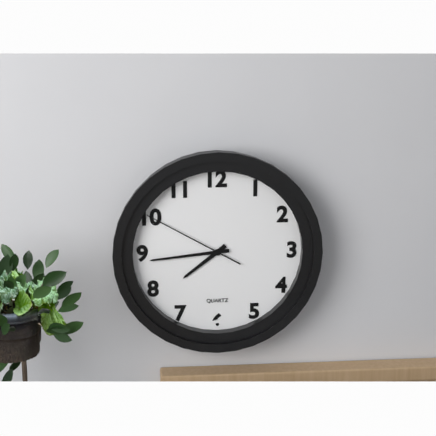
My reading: 7:44:50
